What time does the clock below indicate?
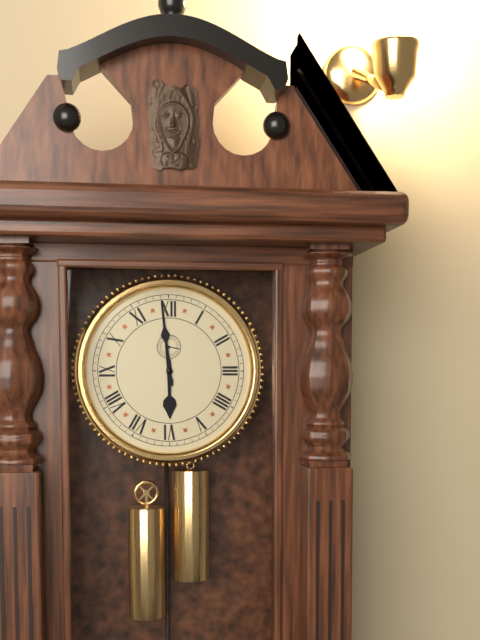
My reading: 5:59
